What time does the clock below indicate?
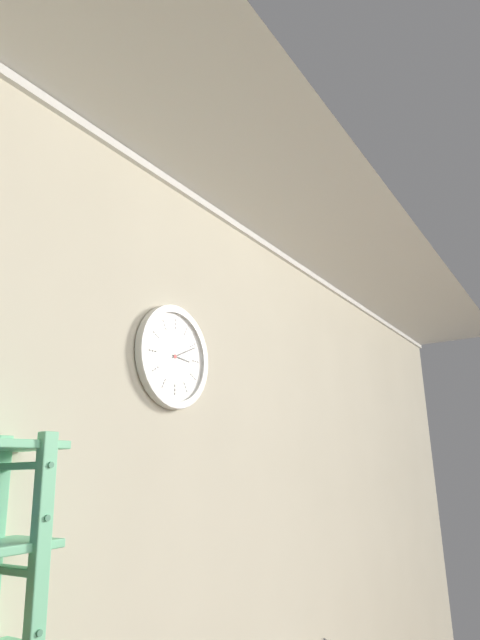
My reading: 3:11
